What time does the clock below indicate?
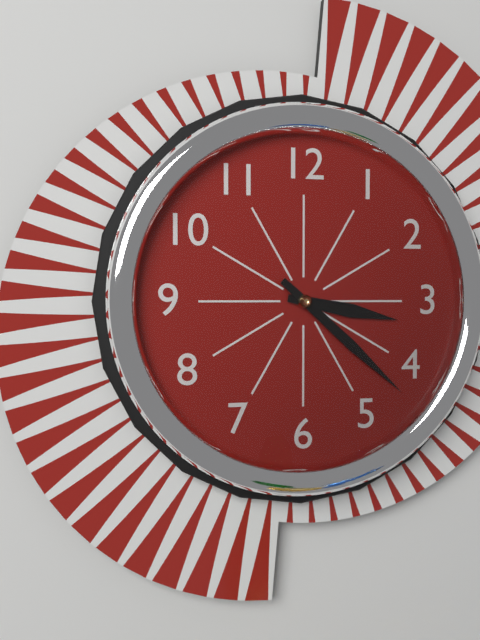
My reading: 3:22
